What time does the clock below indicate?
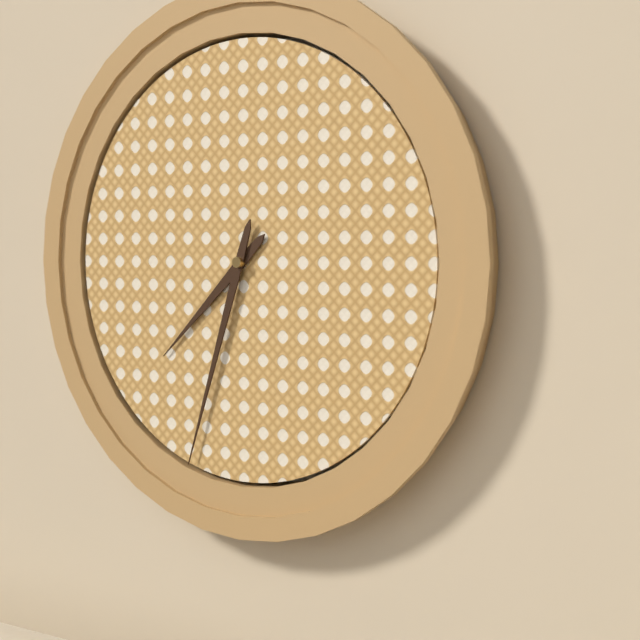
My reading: 7:33
